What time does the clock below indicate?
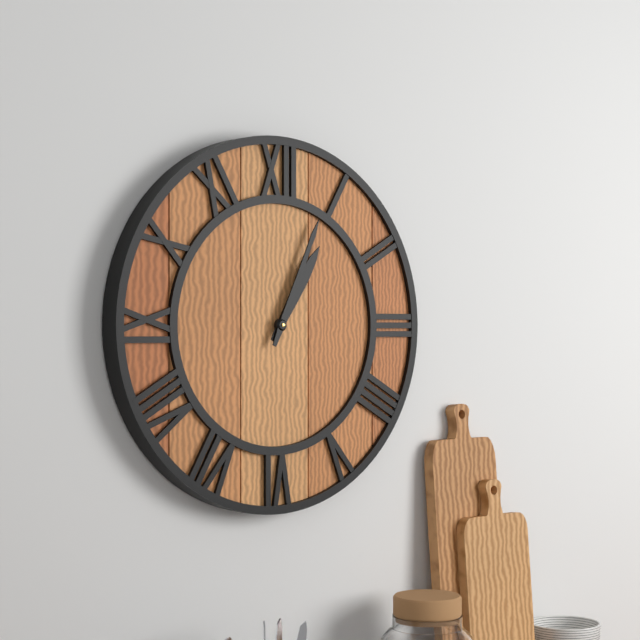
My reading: 1:04
